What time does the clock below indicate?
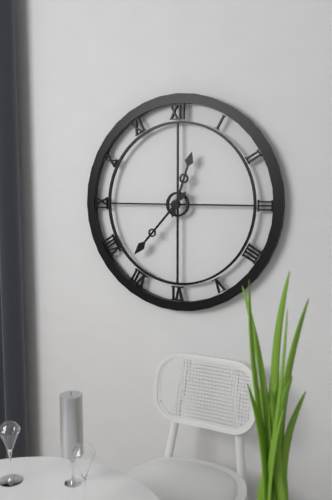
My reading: 12:37
